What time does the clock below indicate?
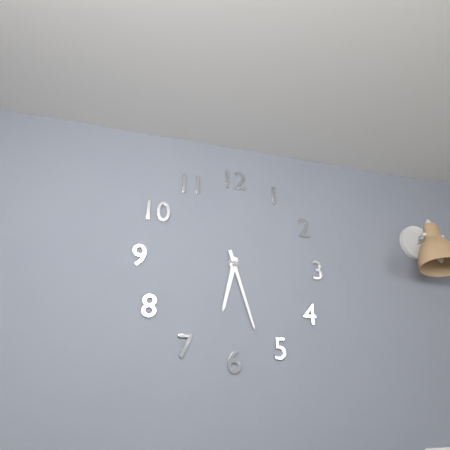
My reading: 6:27
